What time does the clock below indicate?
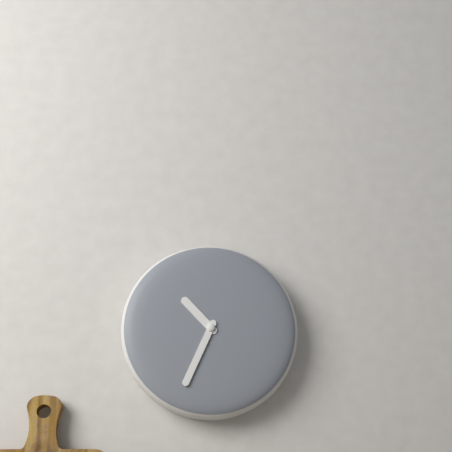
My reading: 10:34
